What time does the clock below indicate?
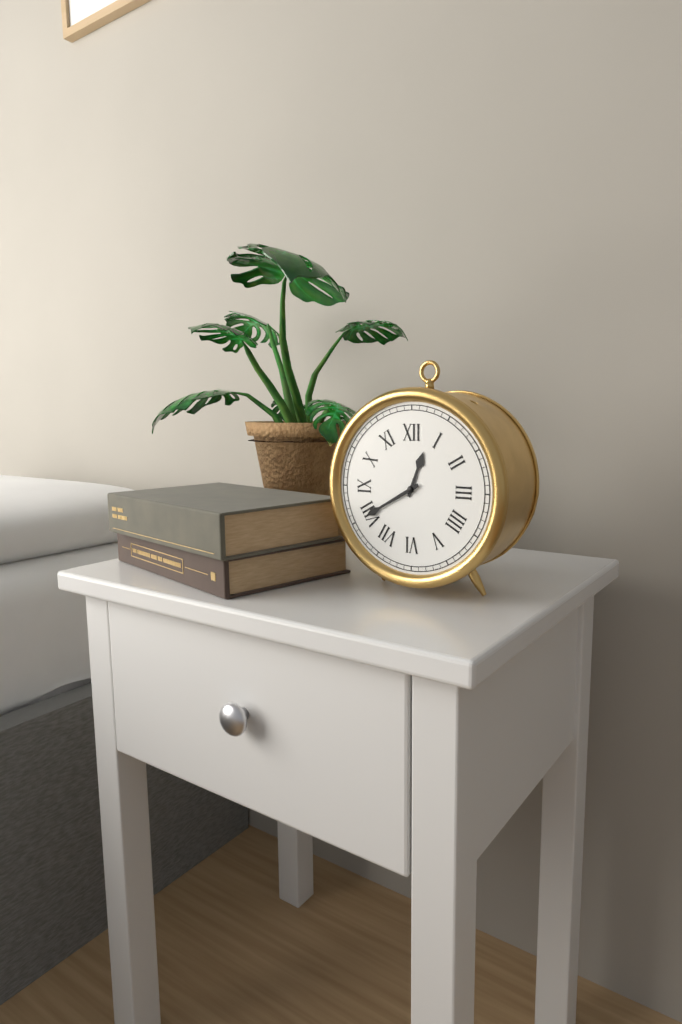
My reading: 12:40
